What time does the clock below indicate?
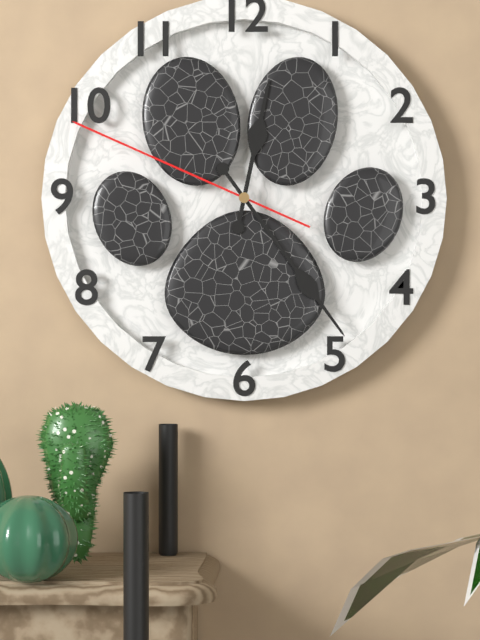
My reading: 12:24:49
